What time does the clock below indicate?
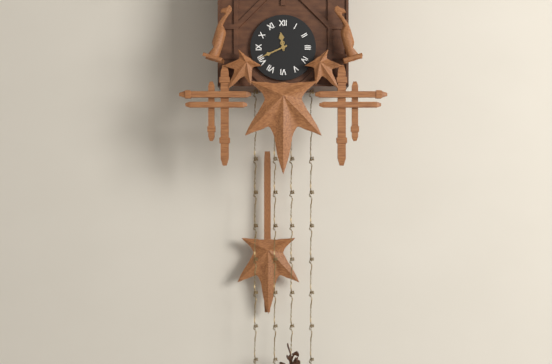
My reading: 11:41
